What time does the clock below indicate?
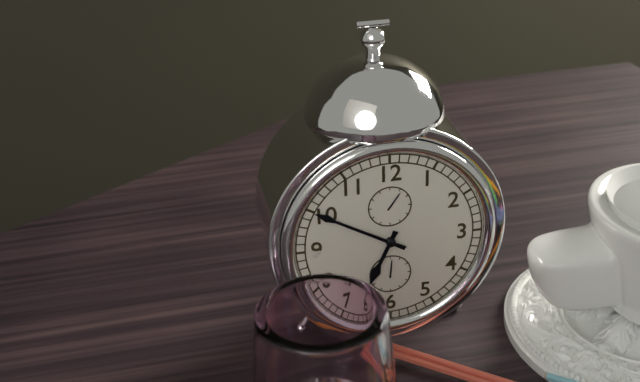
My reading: 6:50
